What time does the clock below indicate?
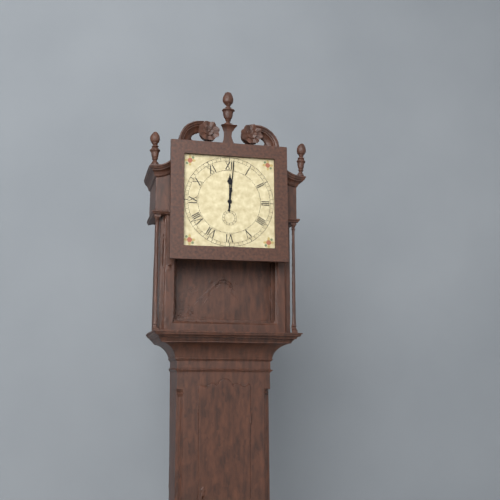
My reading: 12:01
